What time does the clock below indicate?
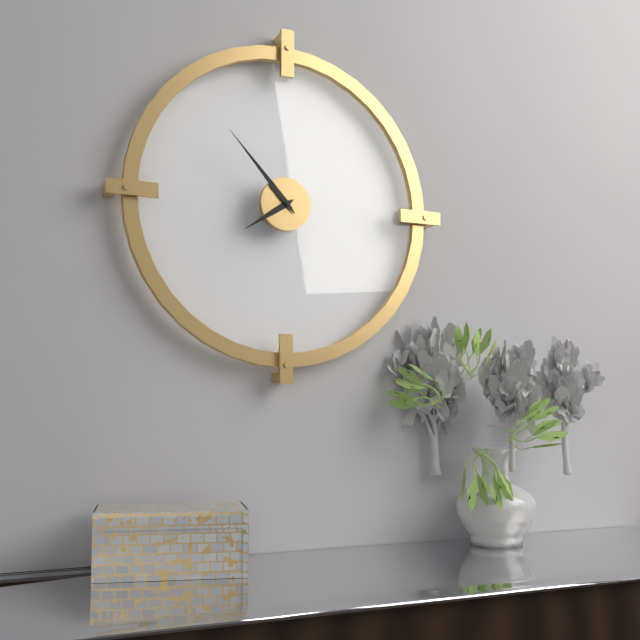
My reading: 7:53
